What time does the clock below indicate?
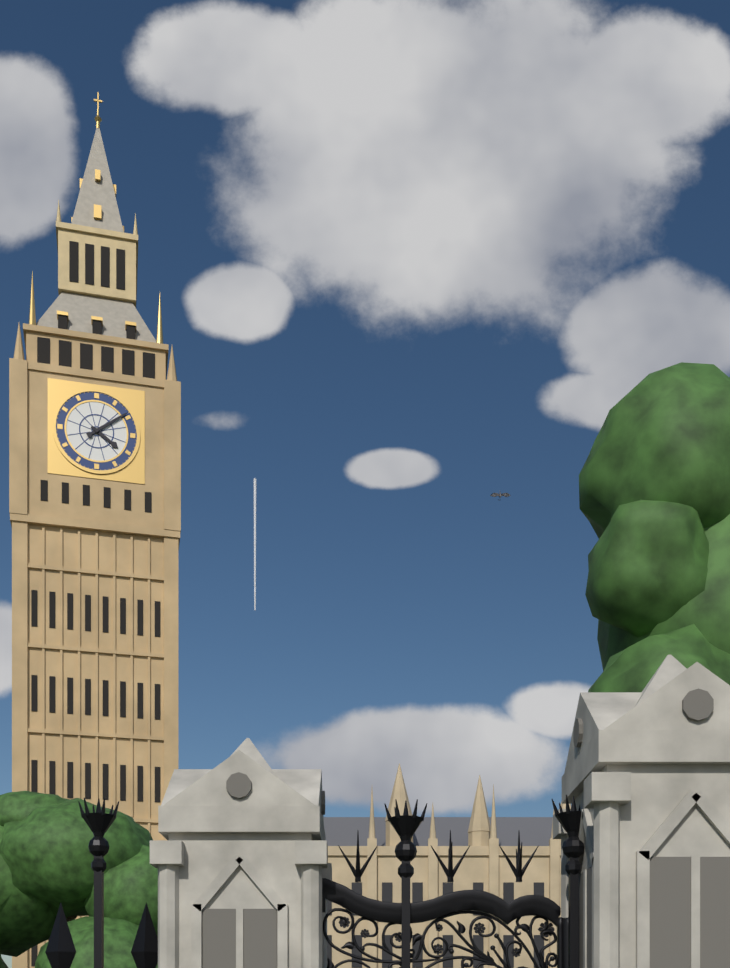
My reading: 4:09
